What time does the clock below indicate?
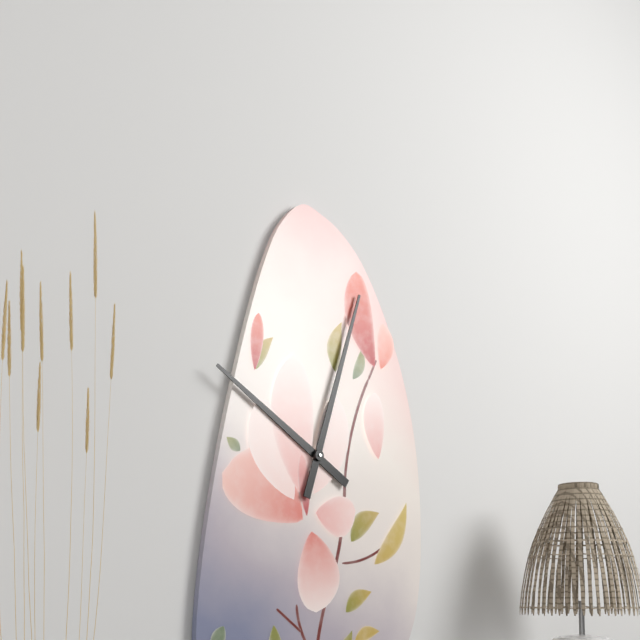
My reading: 10:03
